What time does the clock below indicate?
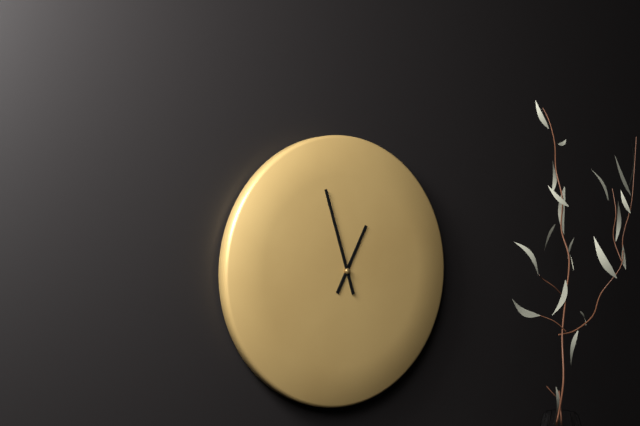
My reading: 12:57
